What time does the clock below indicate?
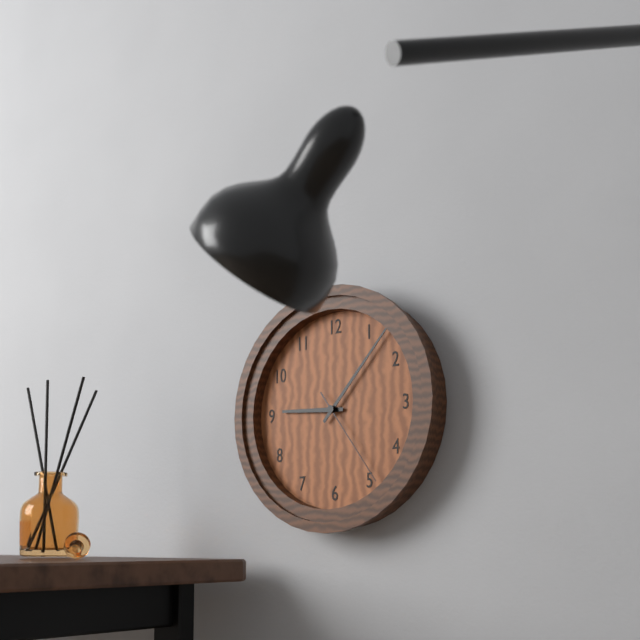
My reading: 9:07:24
